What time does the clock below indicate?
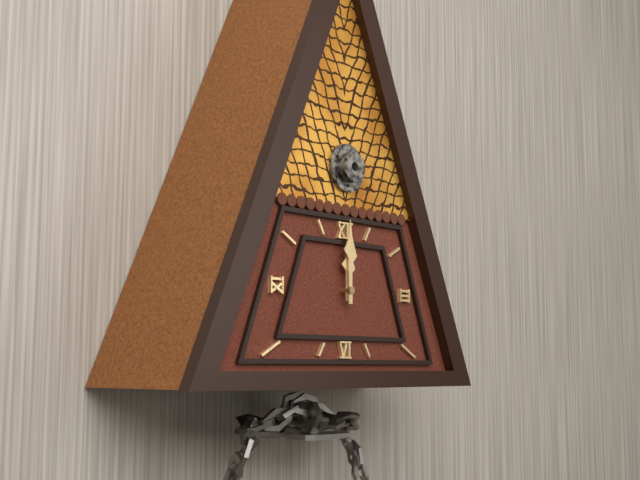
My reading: 12:00
